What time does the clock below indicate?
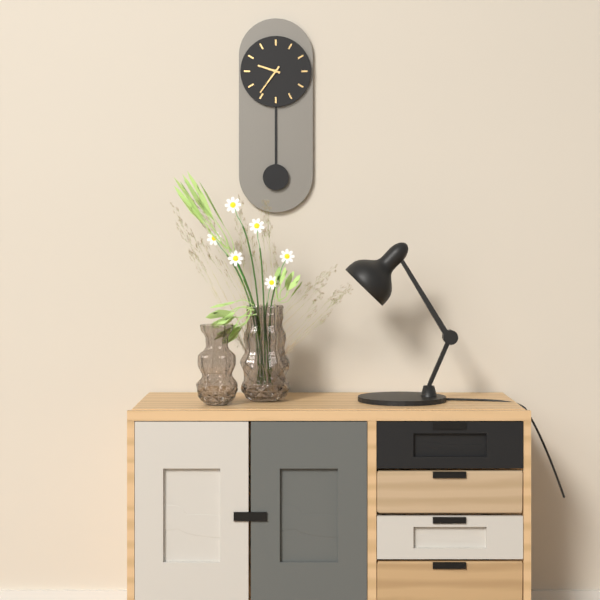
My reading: 9:36
